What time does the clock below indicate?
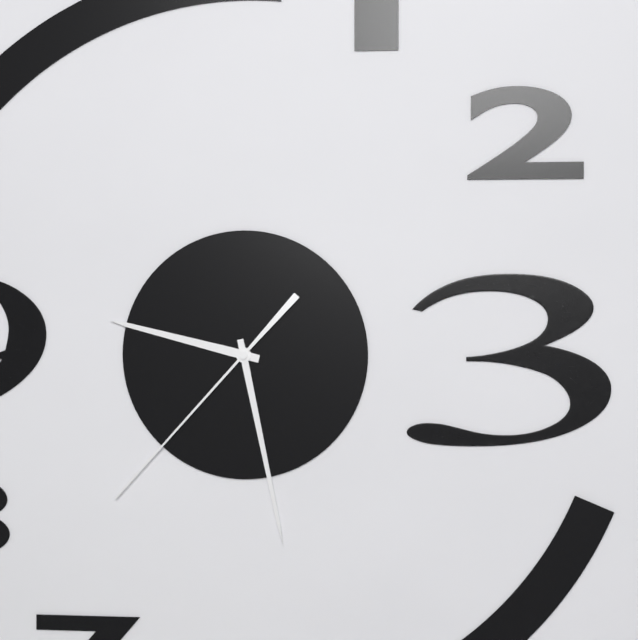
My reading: 9:28:37
